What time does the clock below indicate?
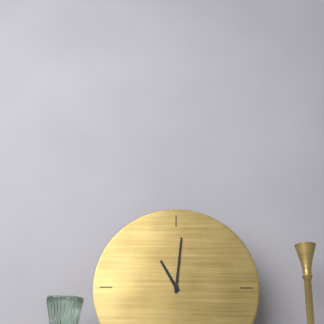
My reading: 11:01
